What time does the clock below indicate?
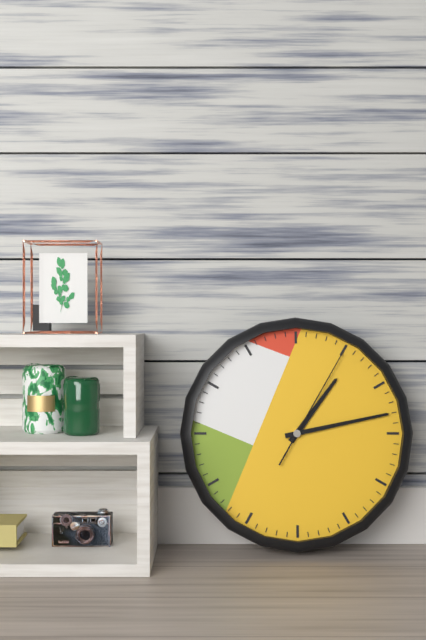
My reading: 1:13:05
